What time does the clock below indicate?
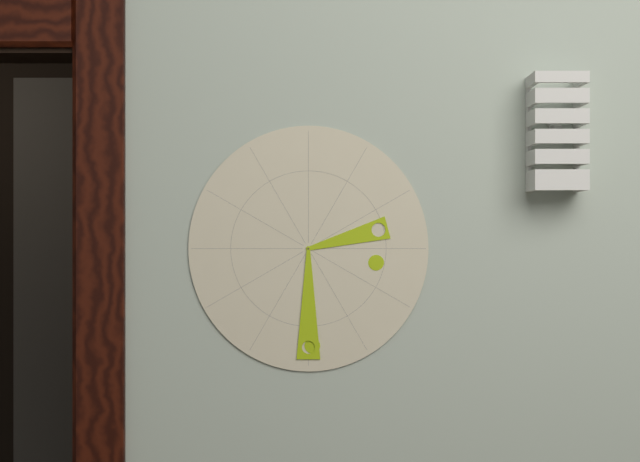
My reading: 2:30
